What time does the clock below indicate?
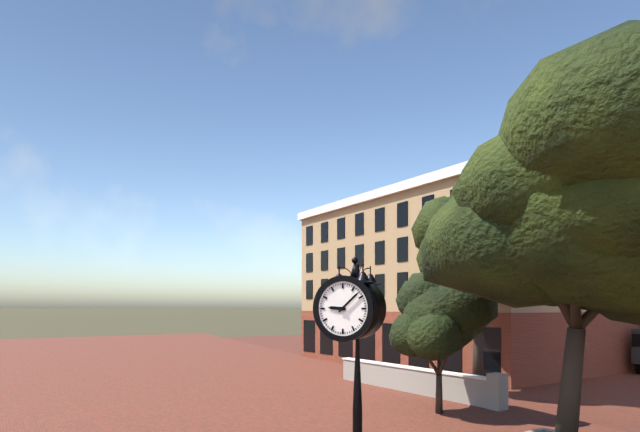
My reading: 9:08
